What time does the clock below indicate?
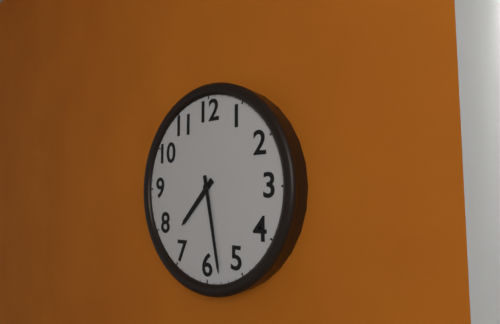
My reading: 7:28
